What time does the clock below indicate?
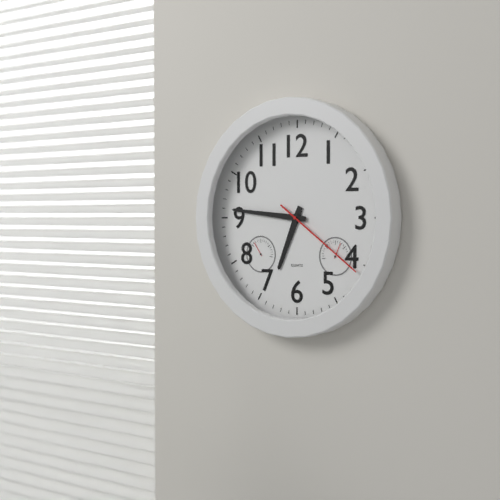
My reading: 6:46:21
